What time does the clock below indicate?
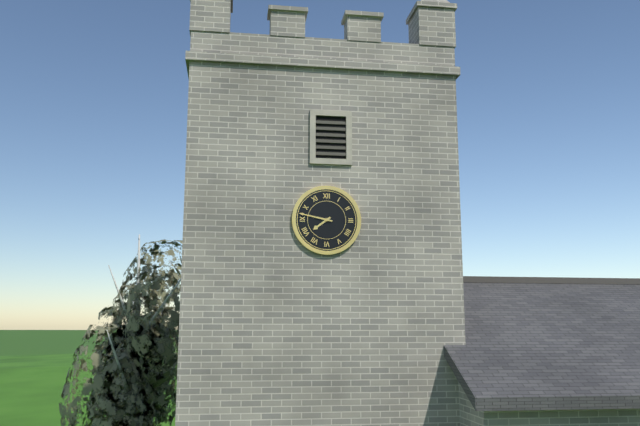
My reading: 7:47
